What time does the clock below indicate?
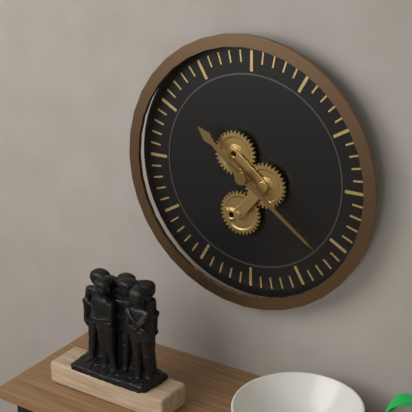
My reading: 10:21
